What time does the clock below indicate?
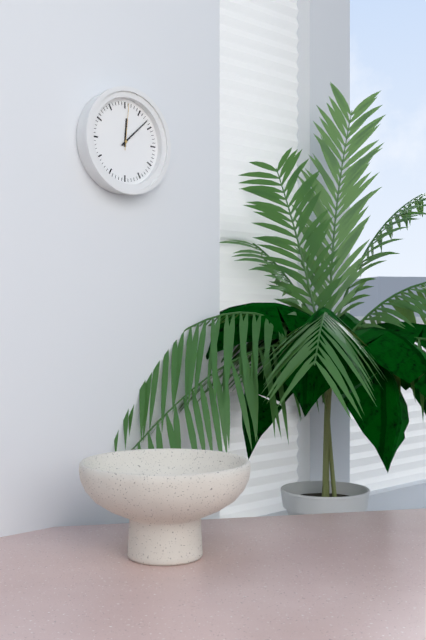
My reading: 12:08
